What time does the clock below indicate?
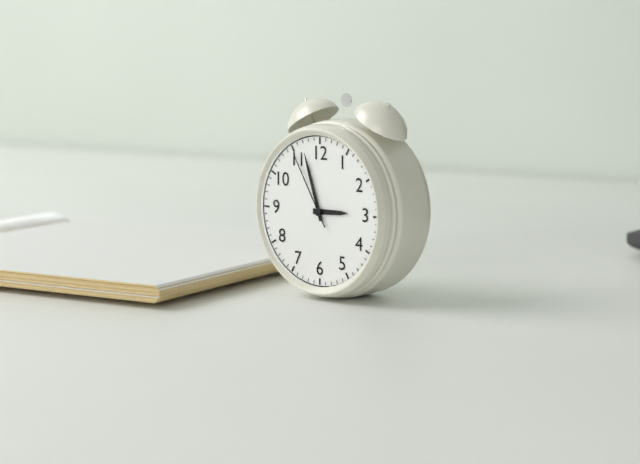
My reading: 2:57:55
